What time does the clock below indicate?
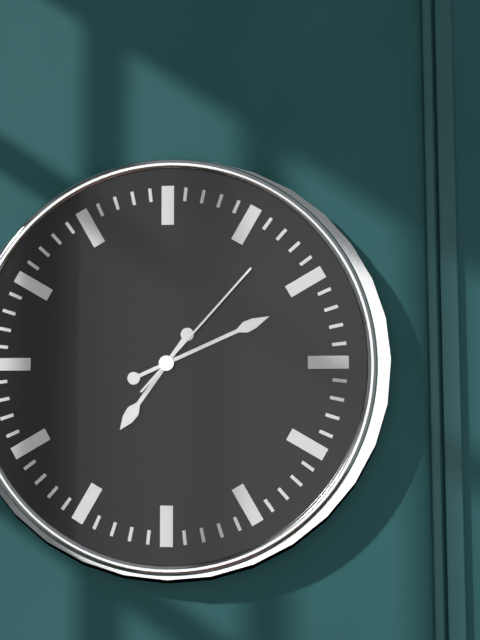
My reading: 7:11:07
